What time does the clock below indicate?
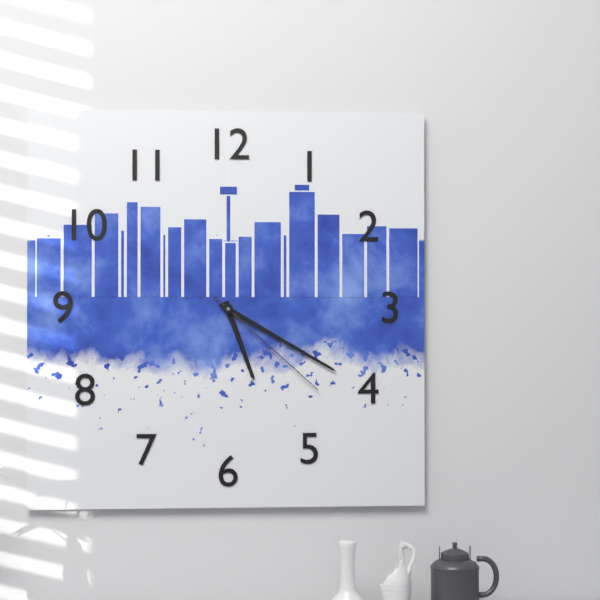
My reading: 5:20:22
